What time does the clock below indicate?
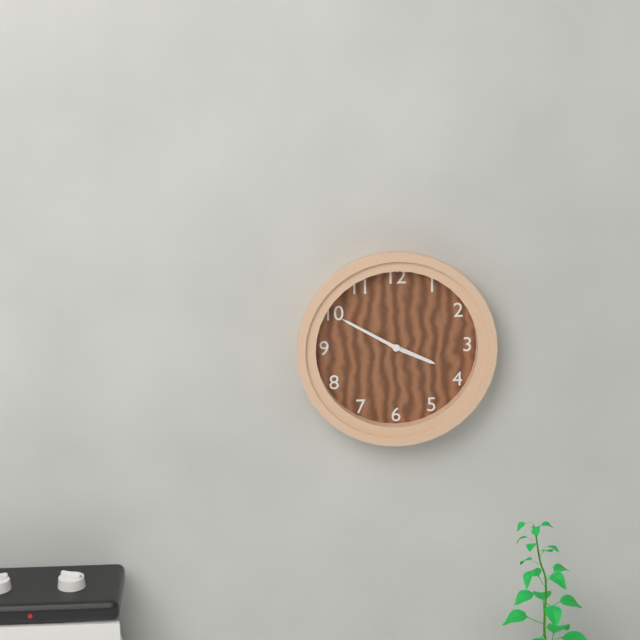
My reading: 3:50
